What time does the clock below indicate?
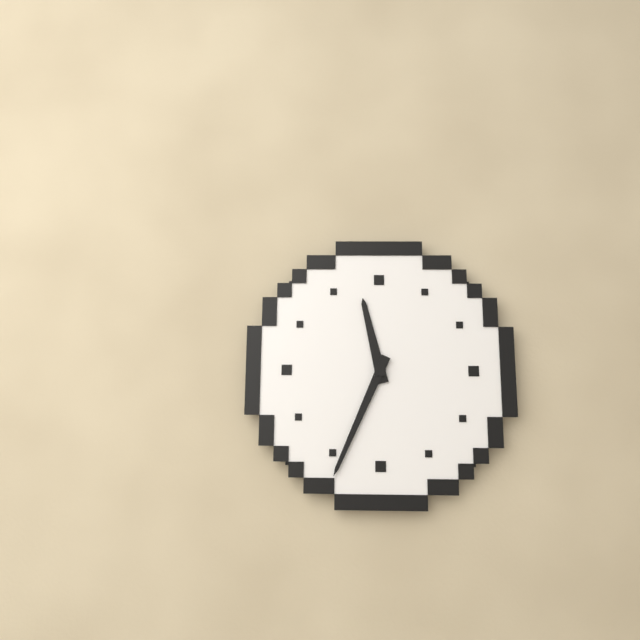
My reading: 11:34
